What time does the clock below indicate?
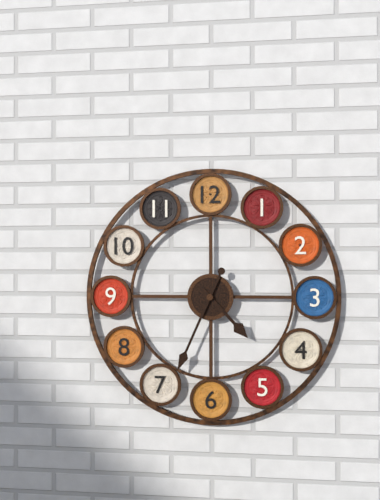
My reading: 4:34
